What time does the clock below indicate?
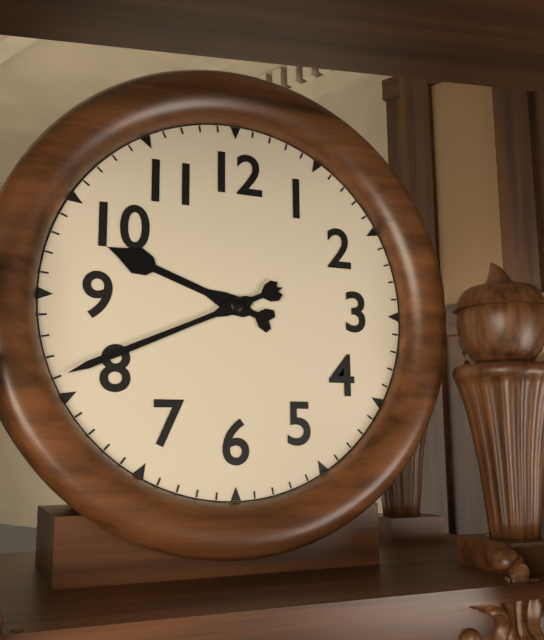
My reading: 9:41
